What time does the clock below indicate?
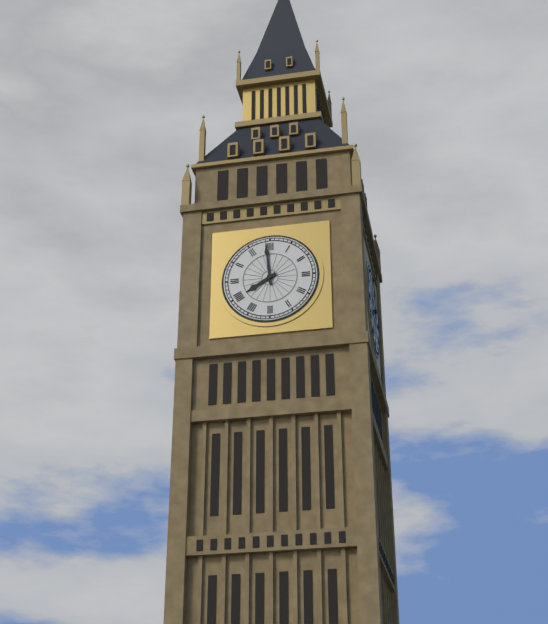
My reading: 7:59
